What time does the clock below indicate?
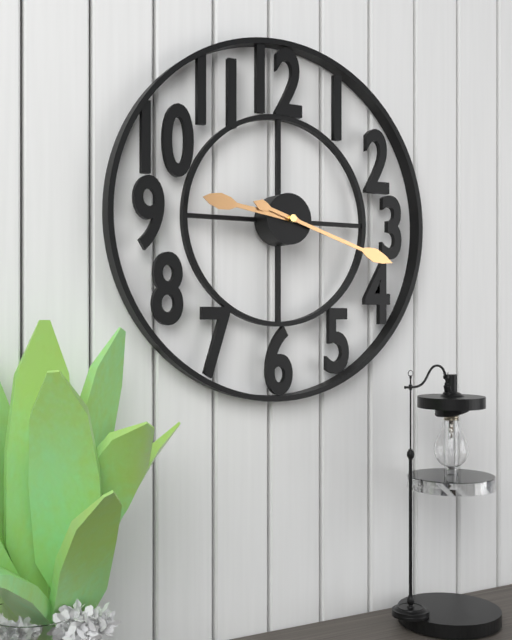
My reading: 9:18
